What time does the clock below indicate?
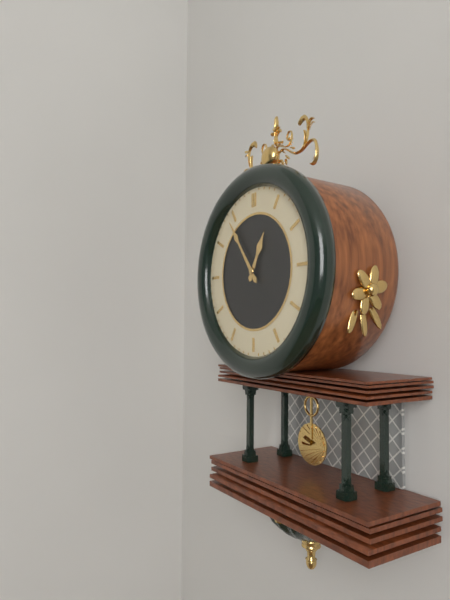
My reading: 12:54
